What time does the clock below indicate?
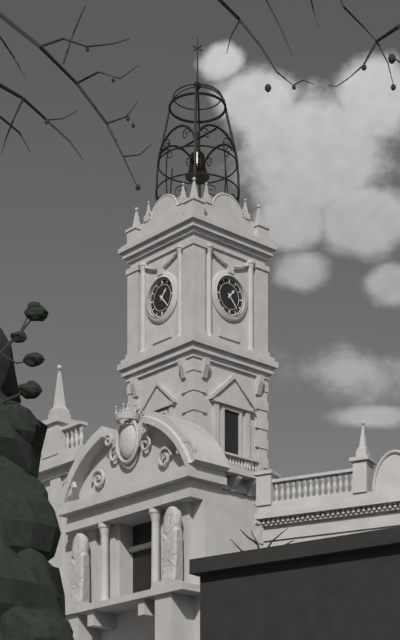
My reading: 1:23
